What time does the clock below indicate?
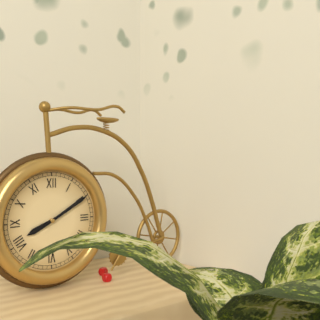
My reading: 8:10
